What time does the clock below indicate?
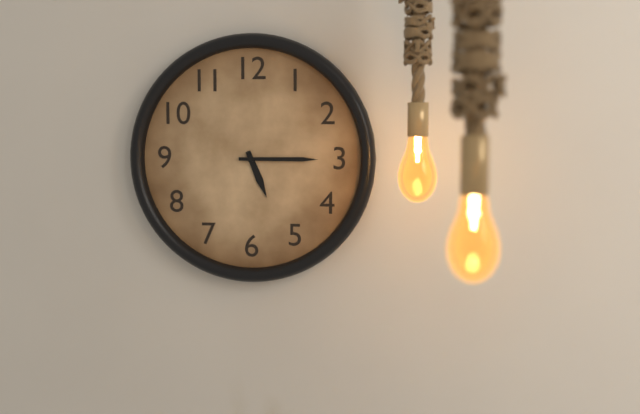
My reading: 5:15
